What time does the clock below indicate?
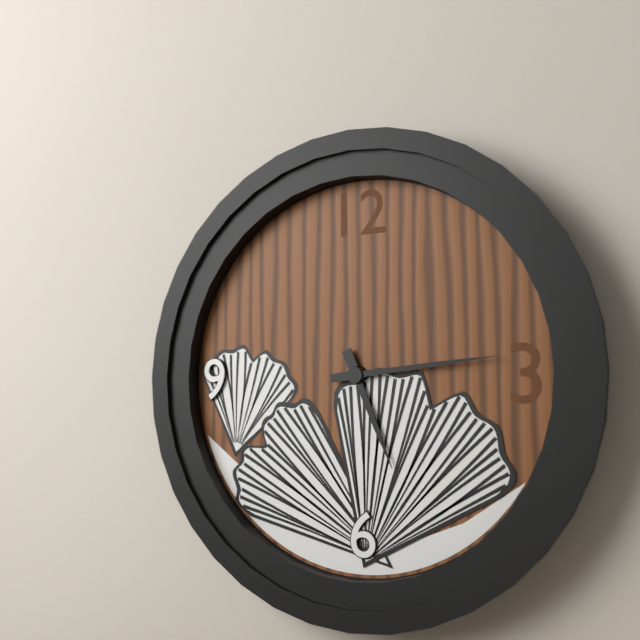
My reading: 5:14
